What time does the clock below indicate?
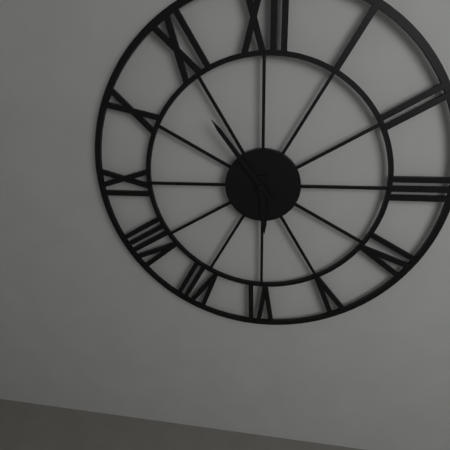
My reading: 5:54
